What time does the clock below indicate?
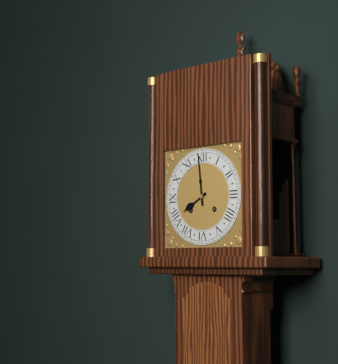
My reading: 7:59
